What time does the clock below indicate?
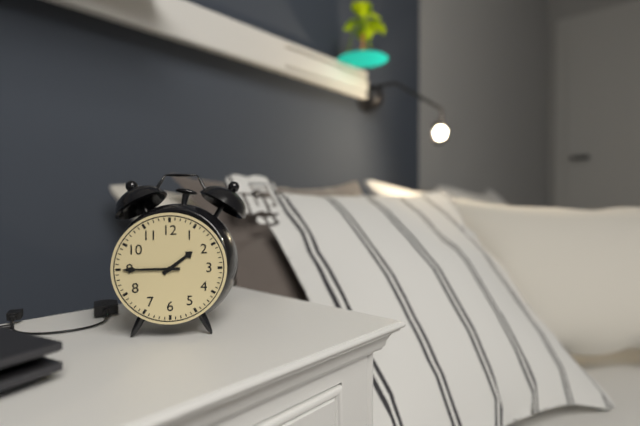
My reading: 1:45
